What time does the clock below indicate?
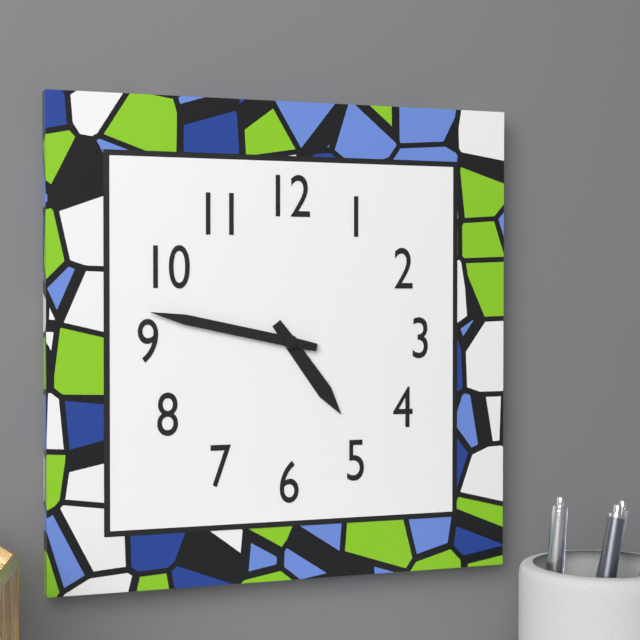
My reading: 4:47
